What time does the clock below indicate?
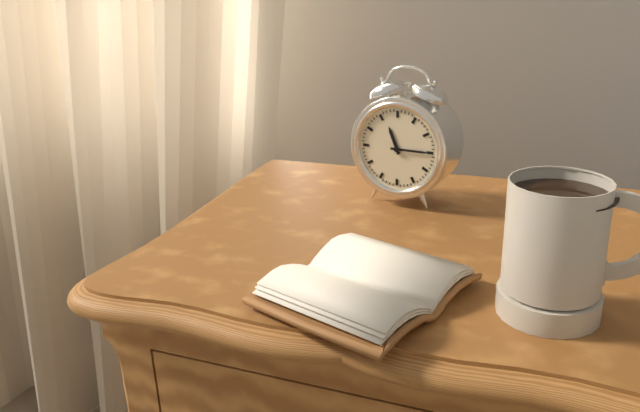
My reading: 11:15
